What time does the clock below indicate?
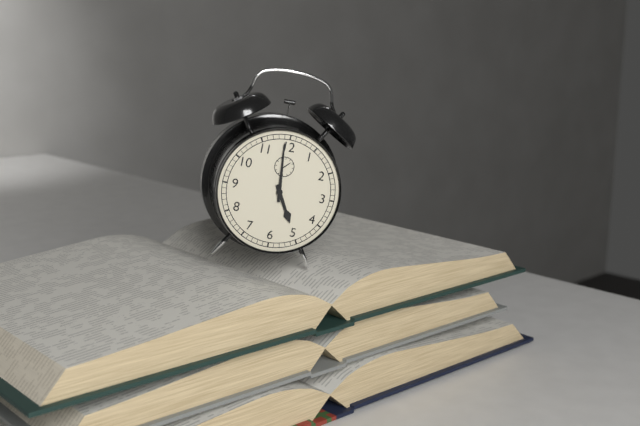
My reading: 4:59
